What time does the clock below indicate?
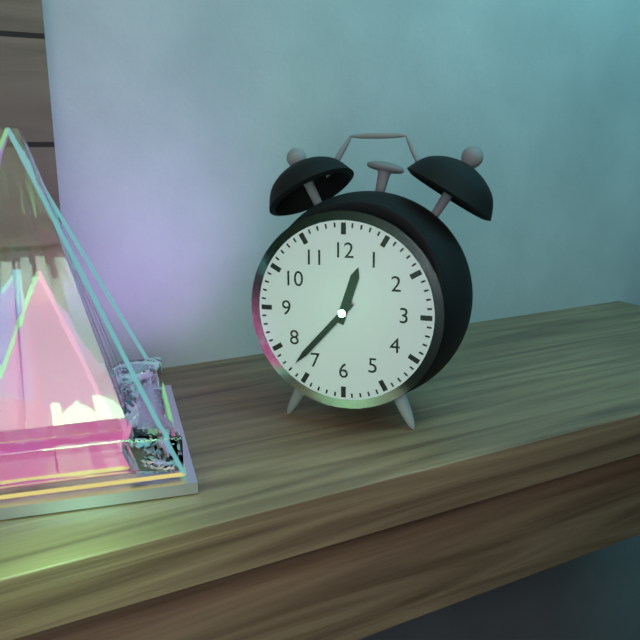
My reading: 12:37
